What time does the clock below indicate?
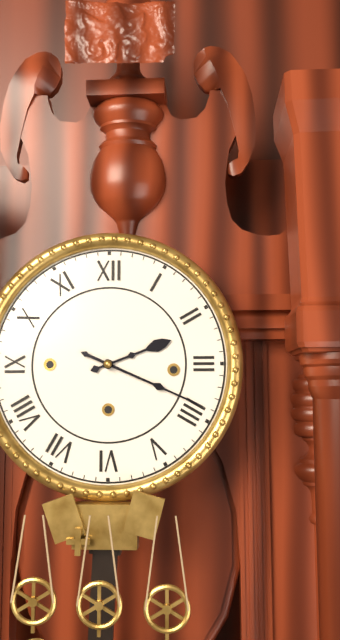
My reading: 2:19
